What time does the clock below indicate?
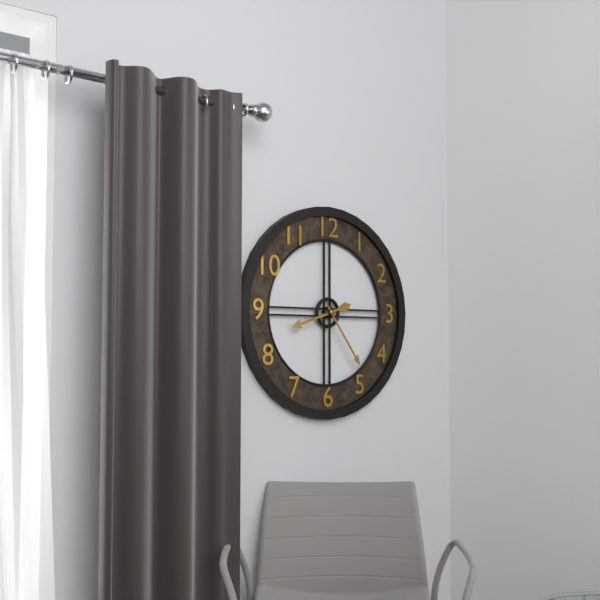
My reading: 8:24
